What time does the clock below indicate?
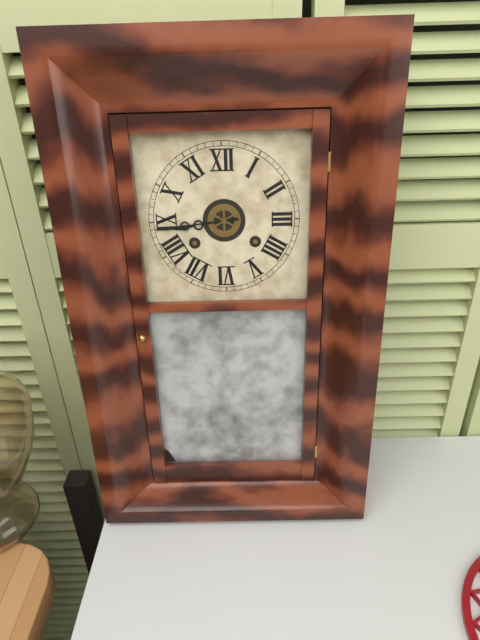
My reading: 8:44
